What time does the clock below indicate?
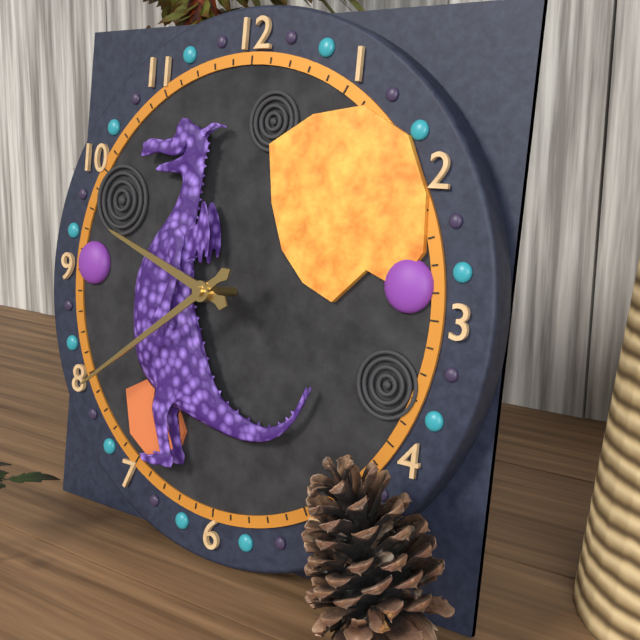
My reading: 9:39
